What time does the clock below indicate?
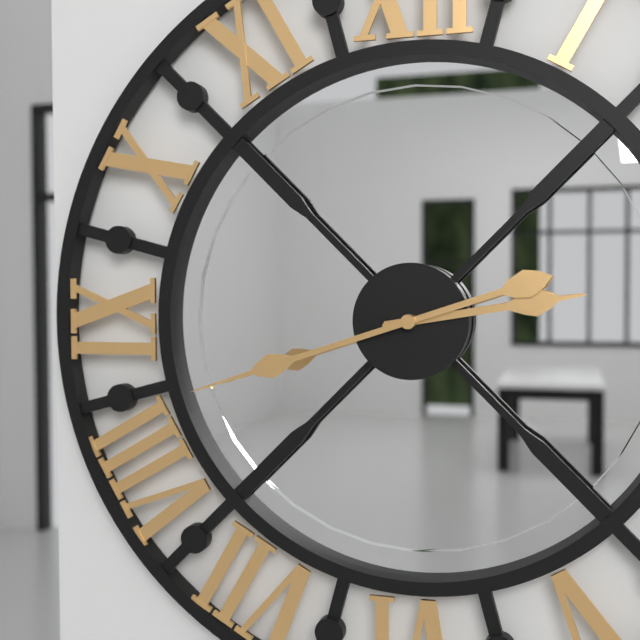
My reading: 2:42
